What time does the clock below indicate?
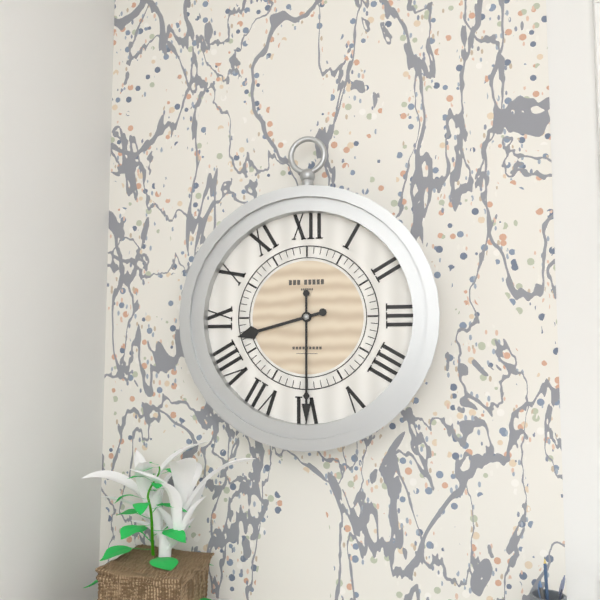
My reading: 8:30
